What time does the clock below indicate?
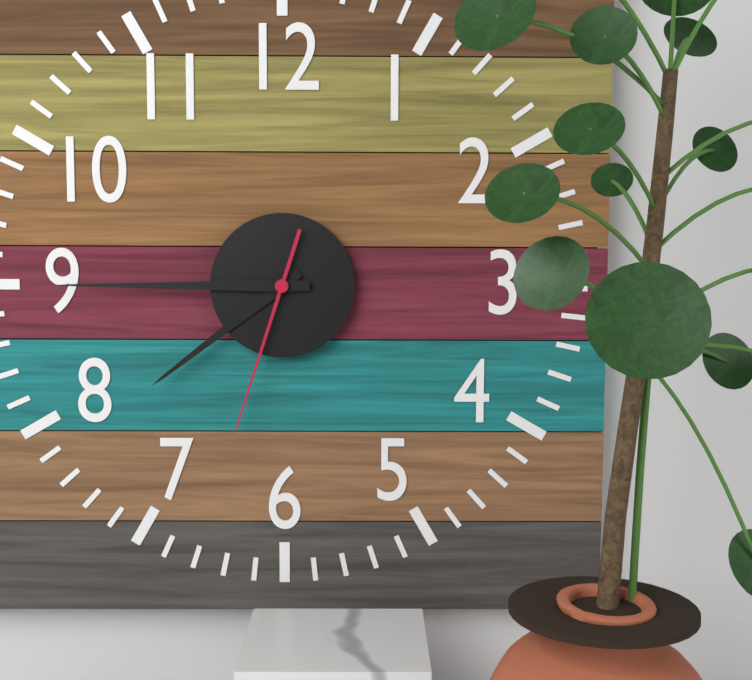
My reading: 7:45:33
